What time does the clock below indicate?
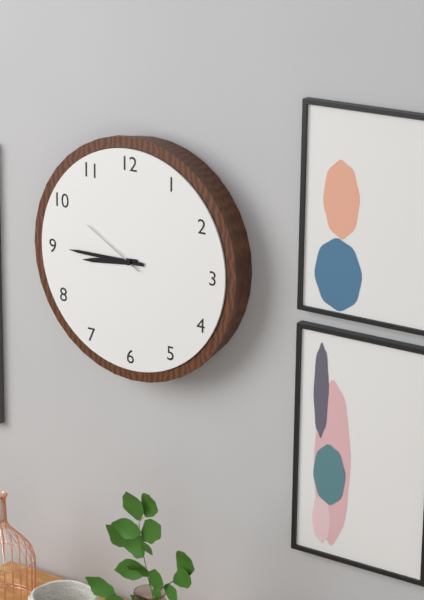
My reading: 8:45:50
